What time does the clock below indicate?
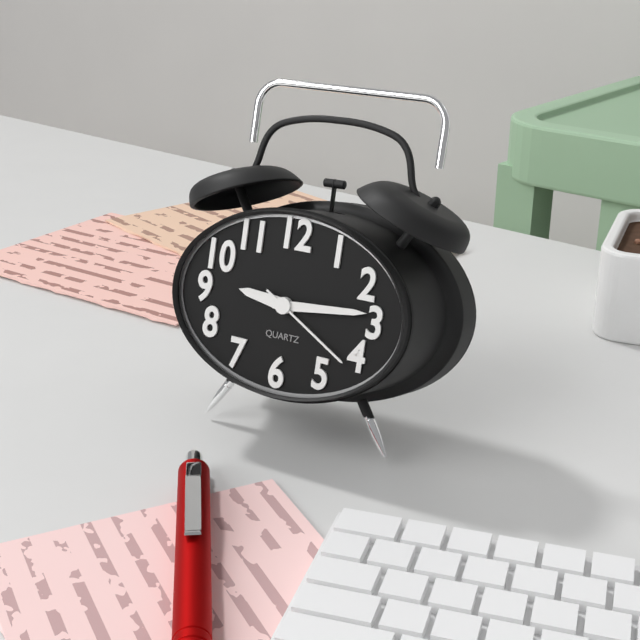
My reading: 9:14:20
